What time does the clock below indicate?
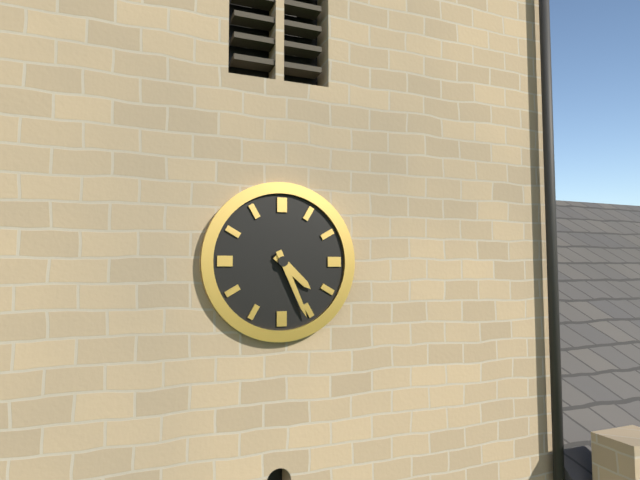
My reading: 4:26
